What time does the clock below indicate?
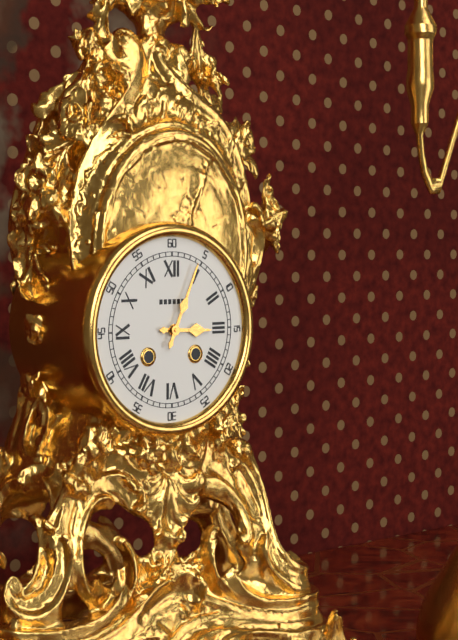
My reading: 3:04
